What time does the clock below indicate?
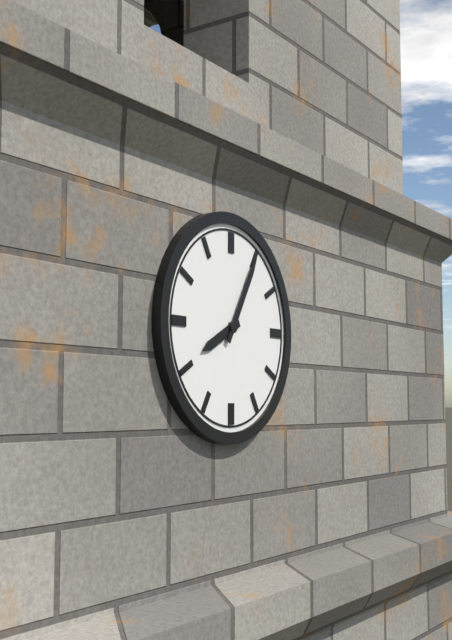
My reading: 8:05
